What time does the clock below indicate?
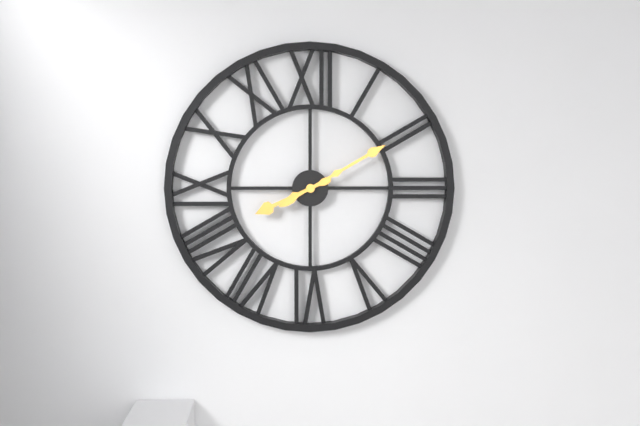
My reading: 8:10
